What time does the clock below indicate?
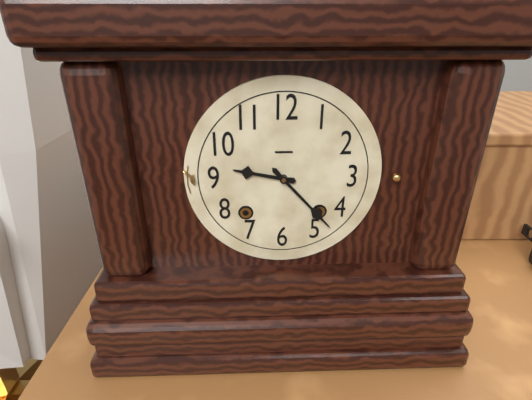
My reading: 9:23
